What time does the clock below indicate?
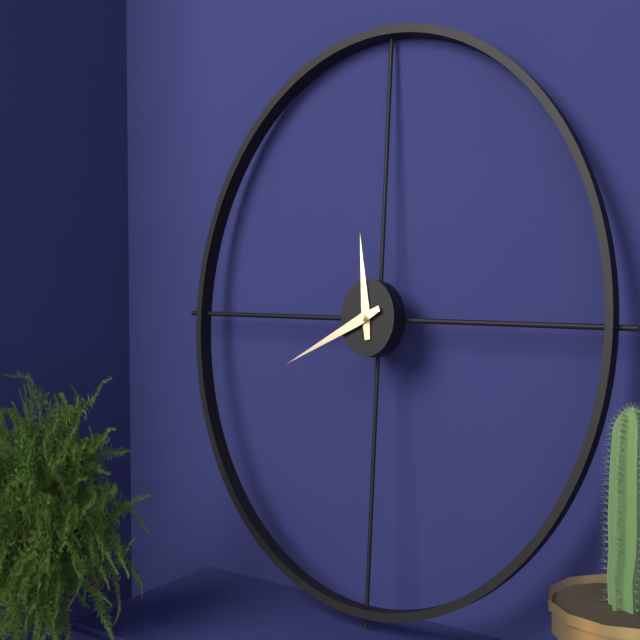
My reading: 11:41
